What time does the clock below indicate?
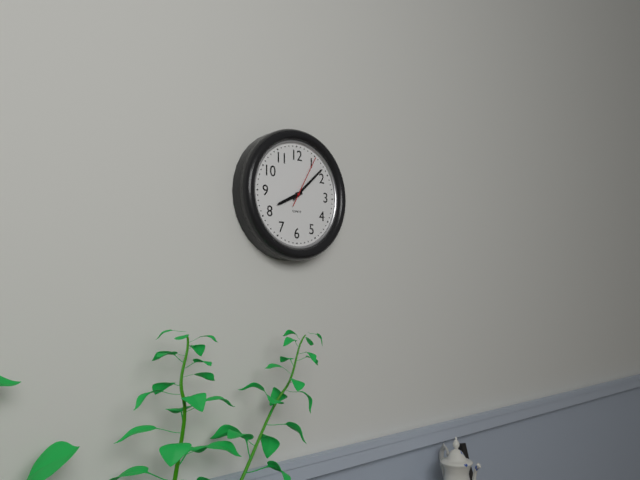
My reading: 8:08:05
